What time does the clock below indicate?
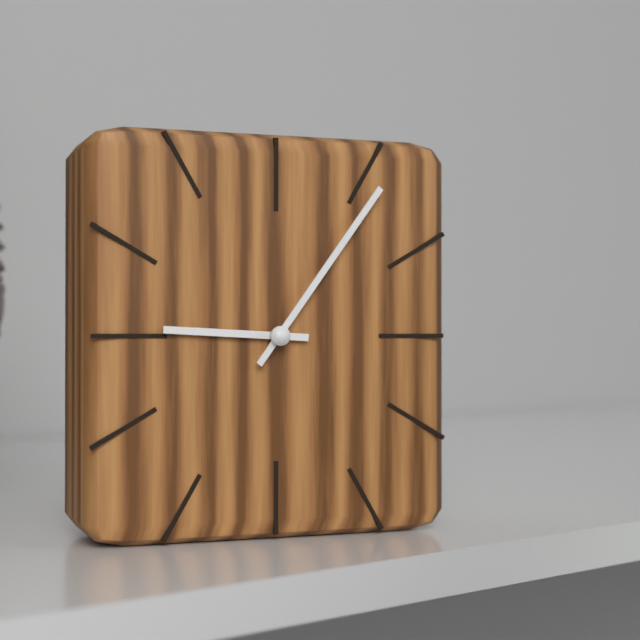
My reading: 9:06
